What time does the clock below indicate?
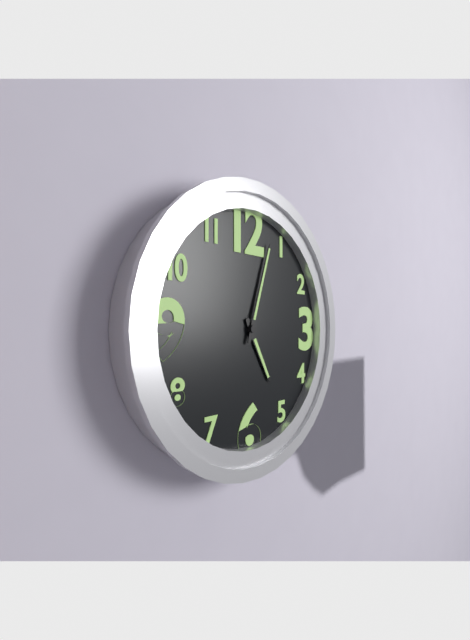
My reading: 5:03
